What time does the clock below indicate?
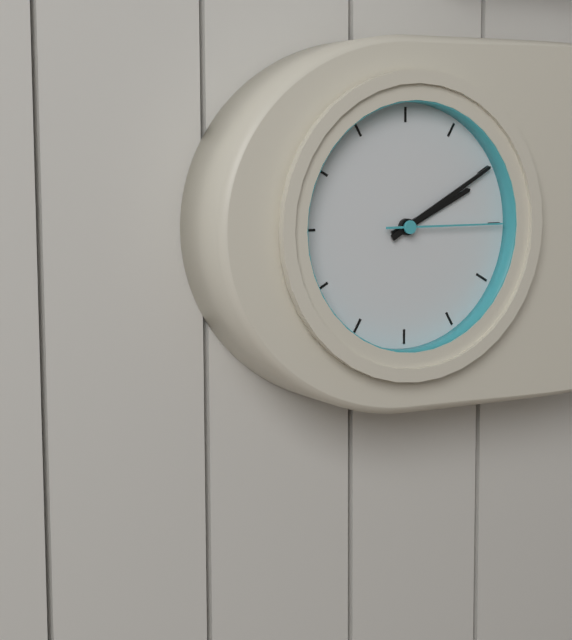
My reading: 2:10:15
